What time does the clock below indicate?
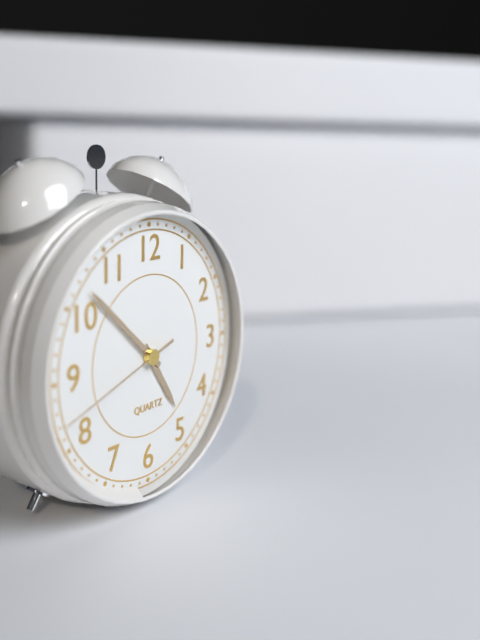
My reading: 4:52:42
